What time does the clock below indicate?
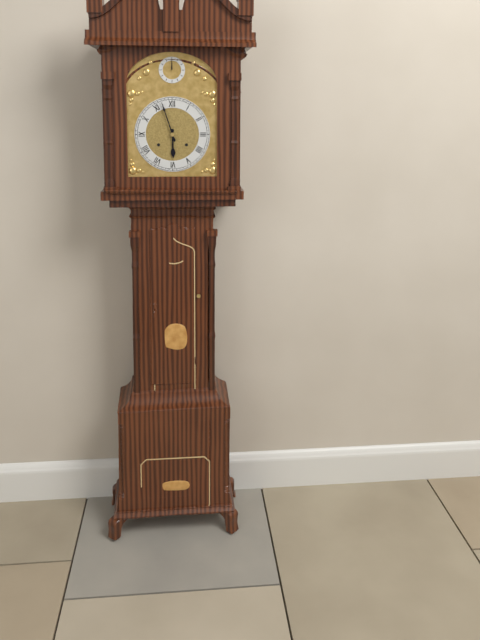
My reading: 5:57
